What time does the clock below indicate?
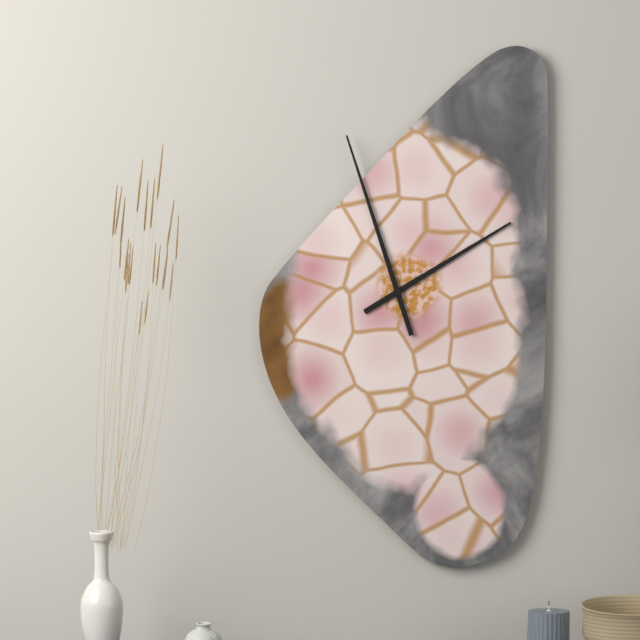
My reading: 1:57
